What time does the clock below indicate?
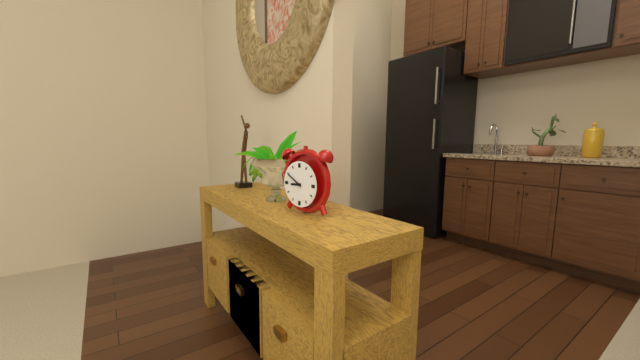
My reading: 8:50
